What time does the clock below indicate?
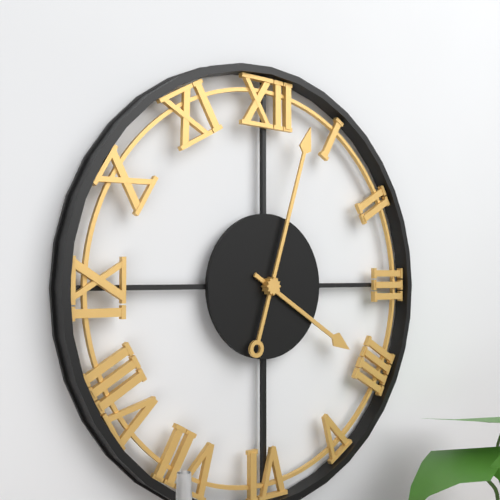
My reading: 4:03
